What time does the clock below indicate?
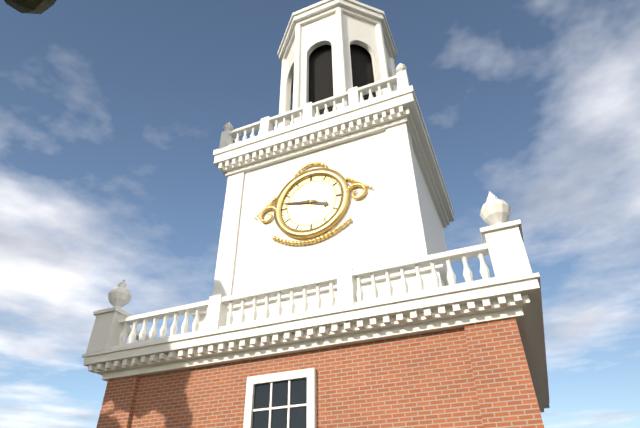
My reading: 3:47
